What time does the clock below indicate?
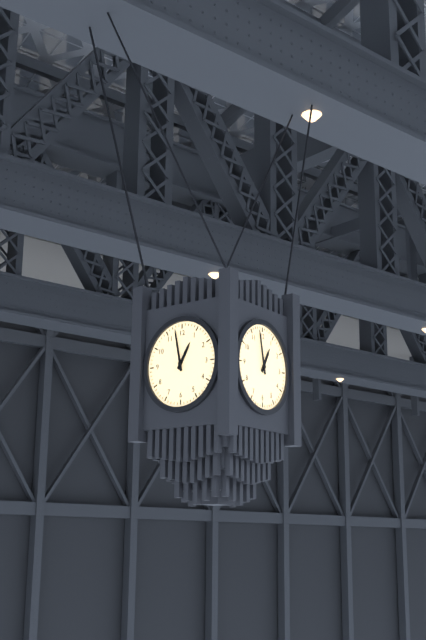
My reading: 12:58
